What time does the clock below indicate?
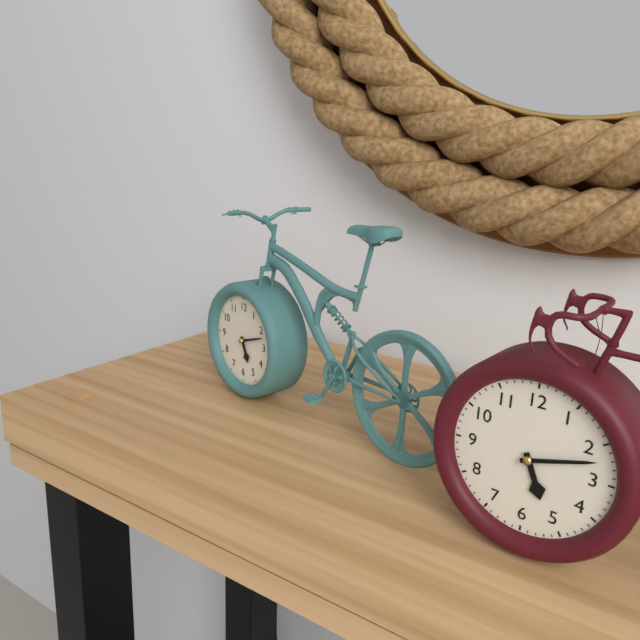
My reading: 5:12
